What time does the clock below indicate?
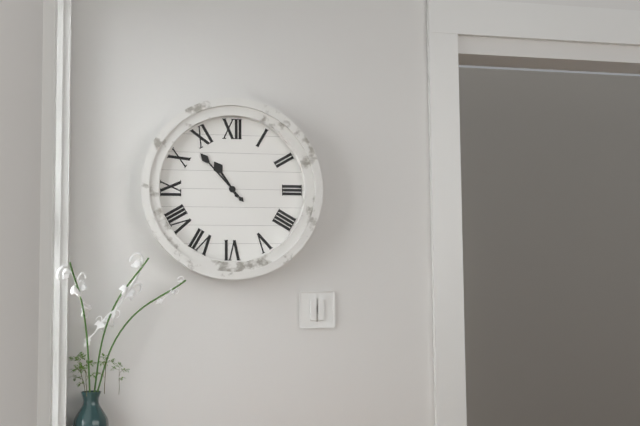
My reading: 10:53
